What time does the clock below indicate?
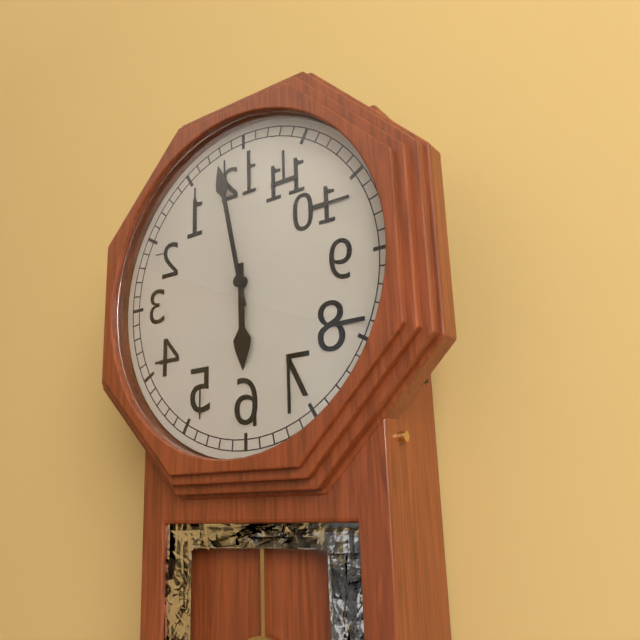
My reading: 5:58
